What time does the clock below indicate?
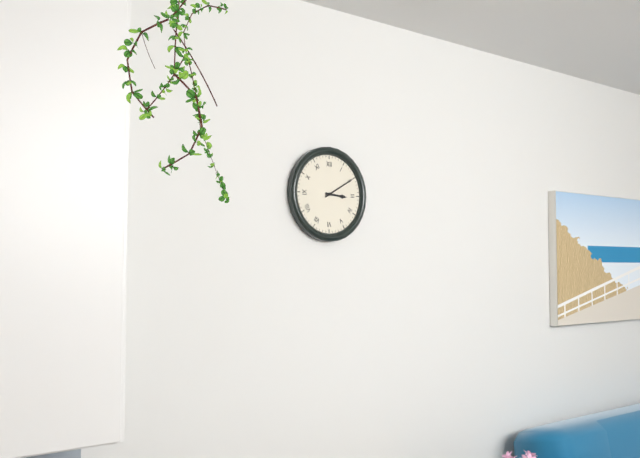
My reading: 3:10
